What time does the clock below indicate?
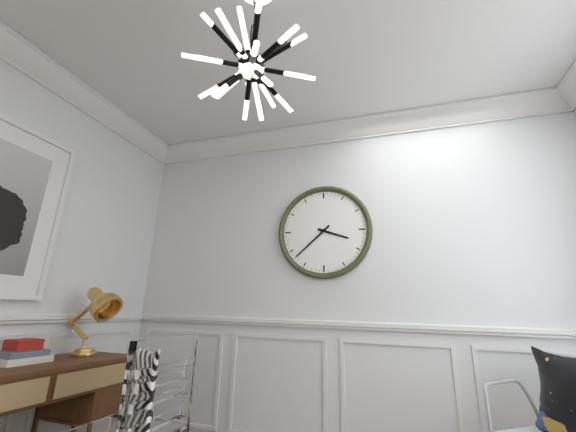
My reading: 3:38
